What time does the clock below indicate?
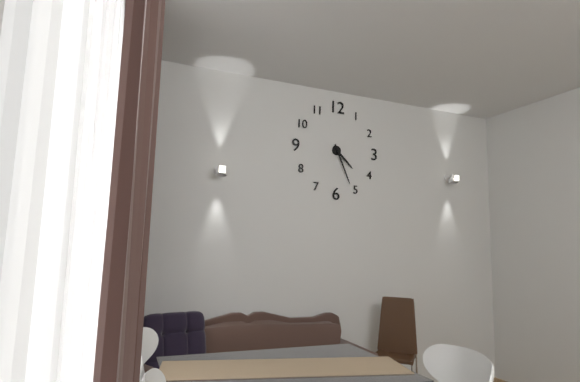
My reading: 4:26
